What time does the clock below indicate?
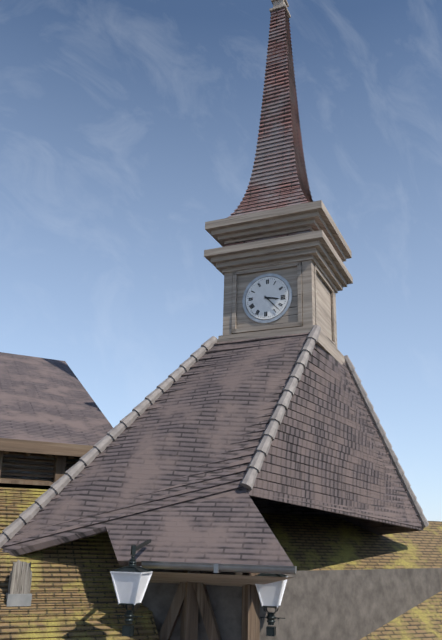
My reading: 3:23
